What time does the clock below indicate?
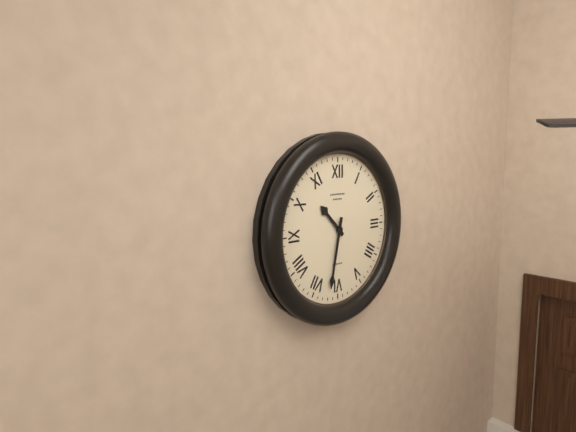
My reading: 10:32
